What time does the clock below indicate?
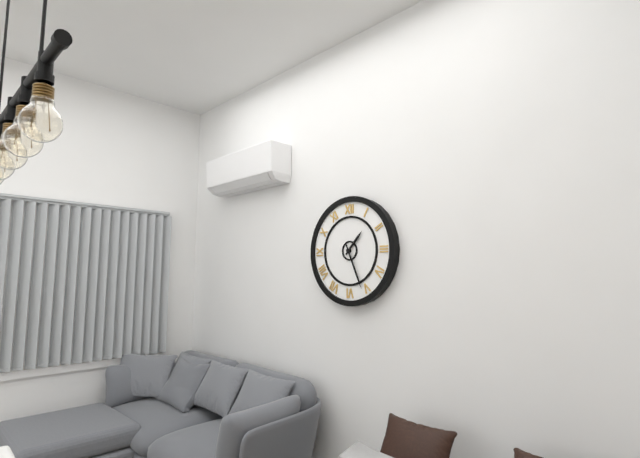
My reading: 1:26
